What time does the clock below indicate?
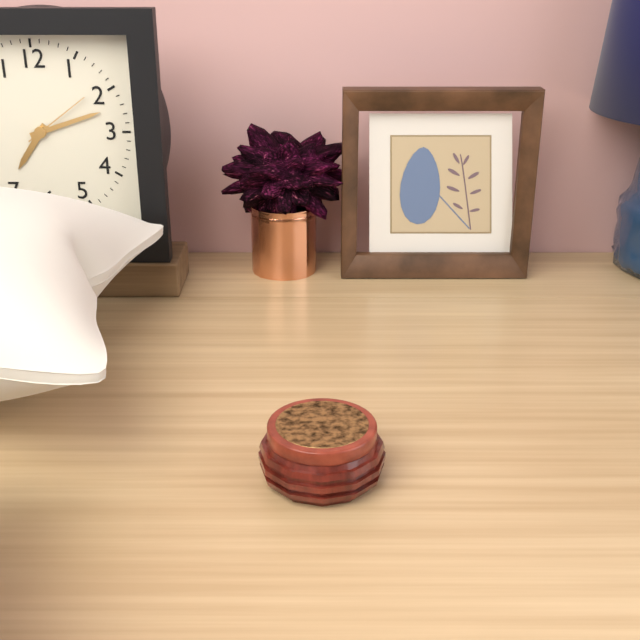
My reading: 7:12:09
